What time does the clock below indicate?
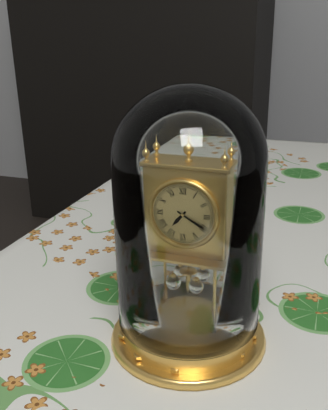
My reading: 7:20
